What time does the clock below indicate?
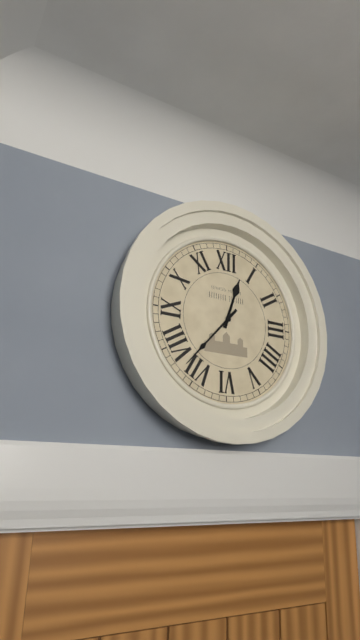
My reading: 12:37
